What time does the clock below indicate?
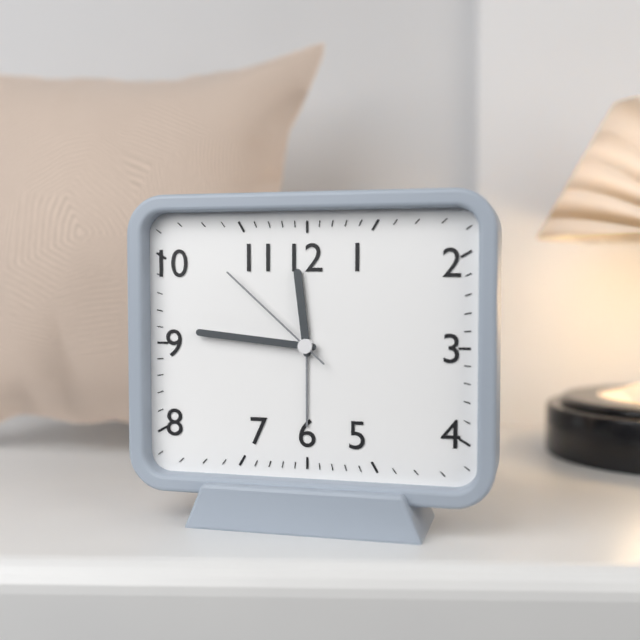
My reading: 11:46:52
